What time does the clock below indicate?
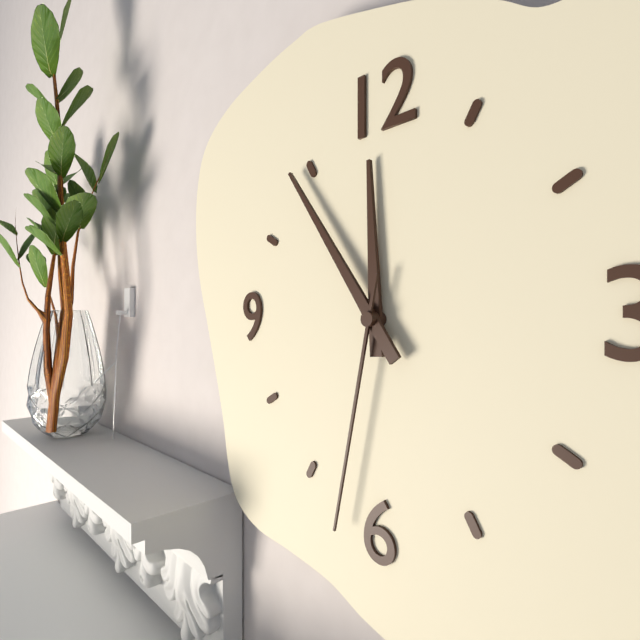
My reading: 11:54:32
